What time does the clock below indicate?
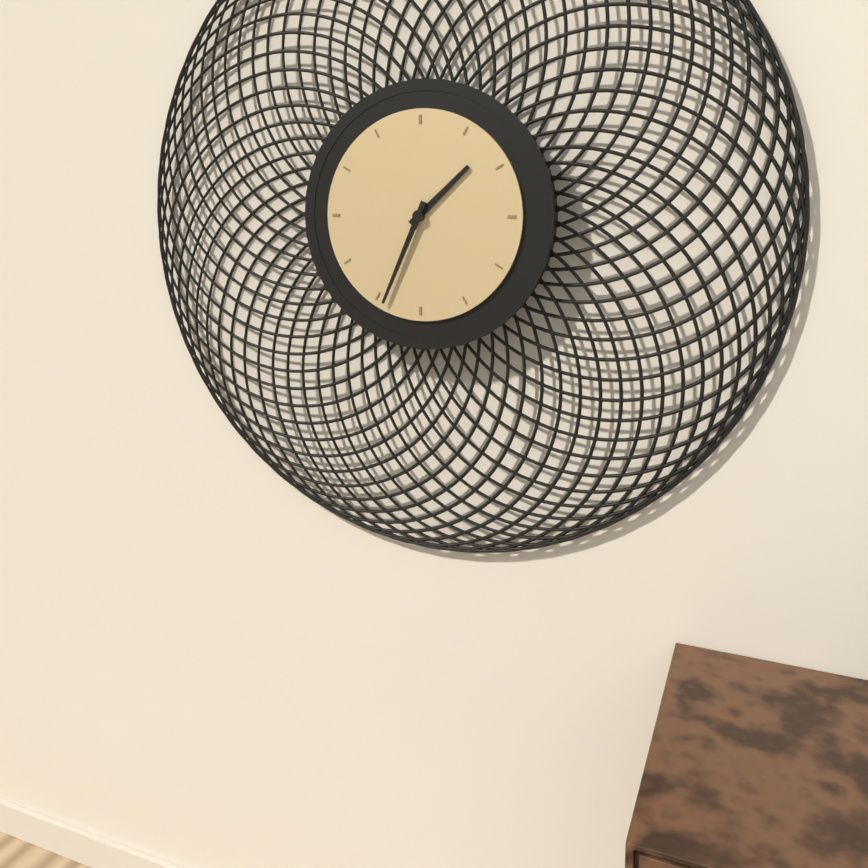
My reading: 1:34
